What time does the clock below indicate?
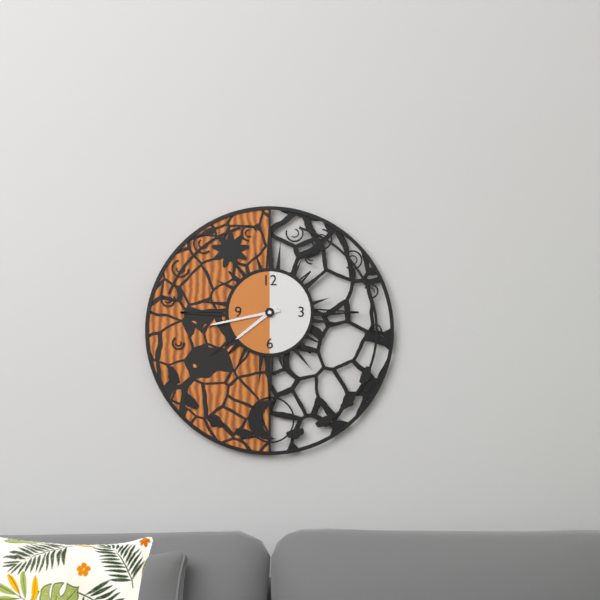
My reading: 7:43
